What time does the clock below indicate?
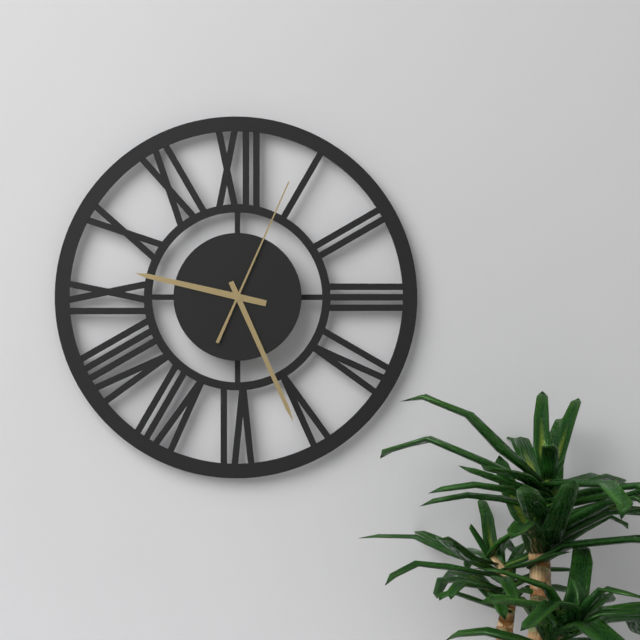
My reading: 9:26:04
